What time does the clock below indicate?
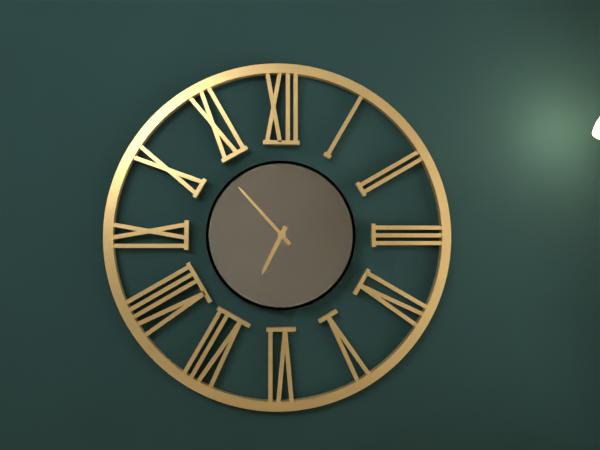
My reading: 6:53
